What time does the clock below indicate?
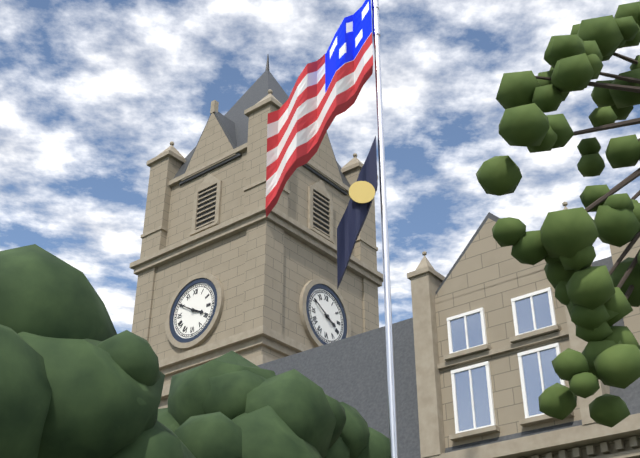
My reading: 3:50
